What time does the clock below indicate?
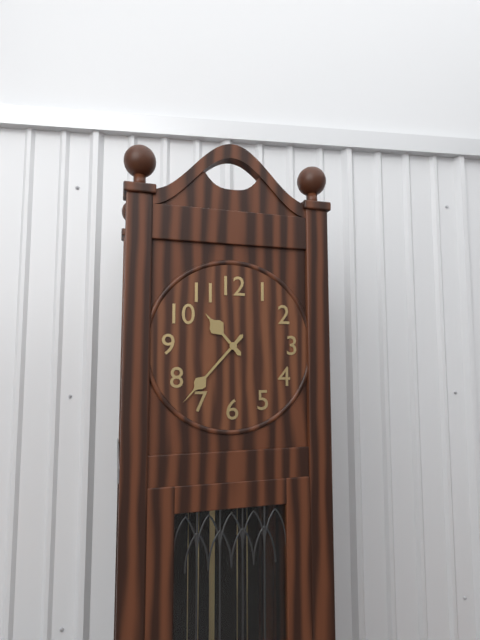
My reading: 10:37
